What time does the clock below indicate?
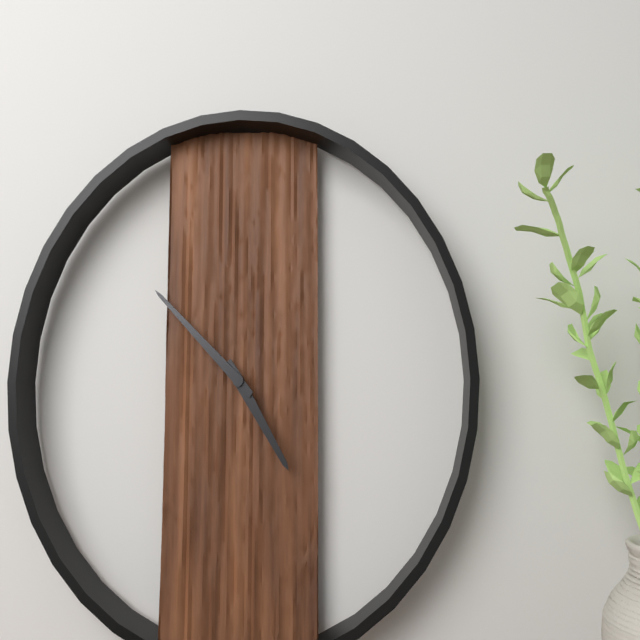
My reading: 4:52
